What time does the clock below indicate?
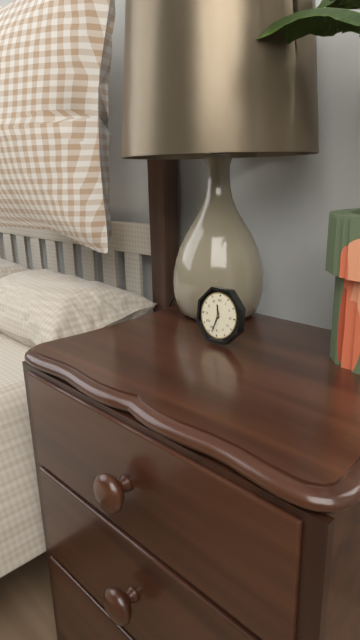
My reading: 11:33
